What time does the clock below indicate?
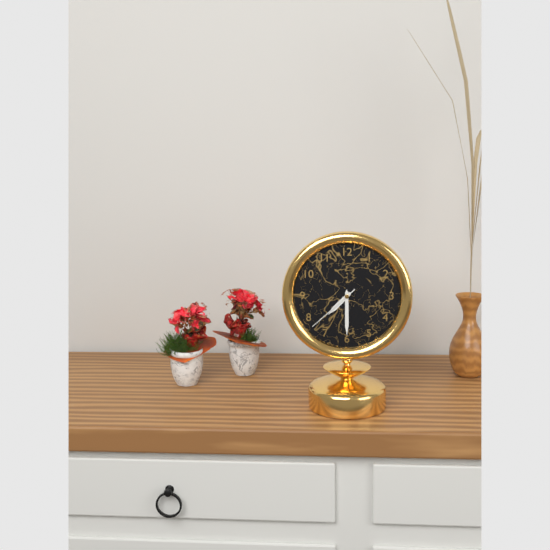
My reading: 7:30:38
